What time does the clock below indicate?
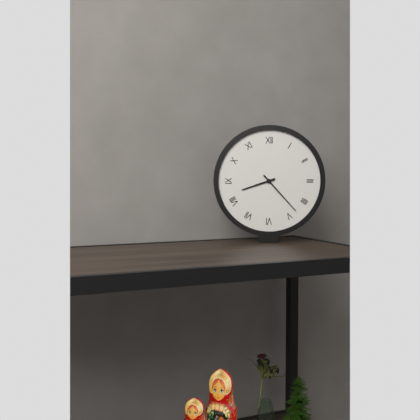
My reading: 8:23
